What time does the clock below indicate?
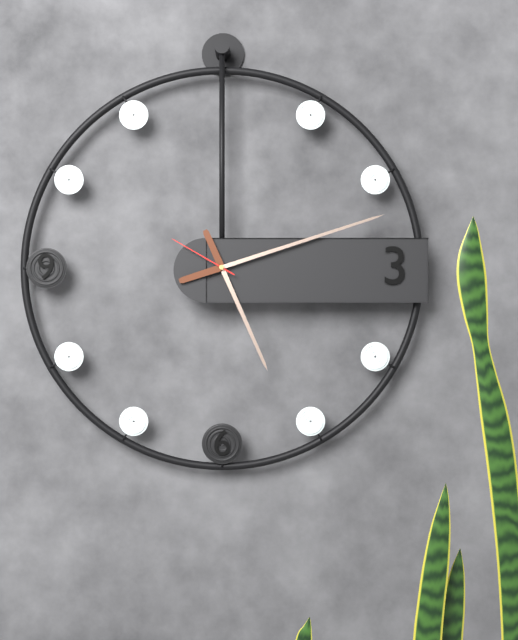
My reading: 5:12:50
